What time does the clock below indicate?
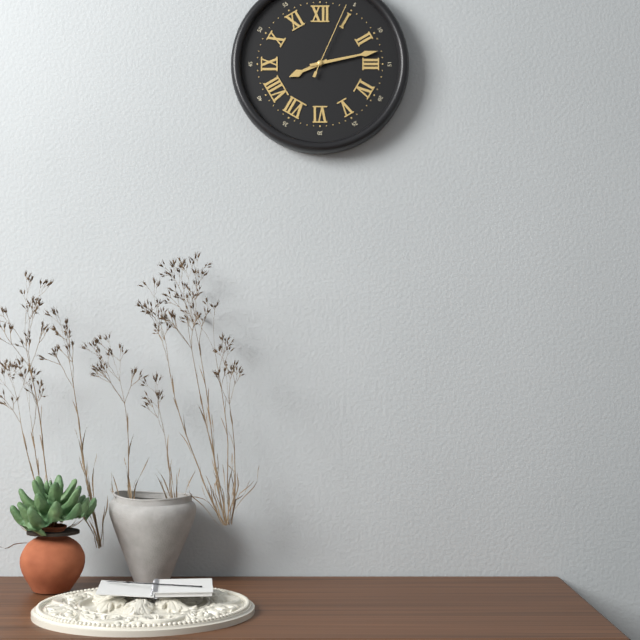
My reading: 8:13:04
